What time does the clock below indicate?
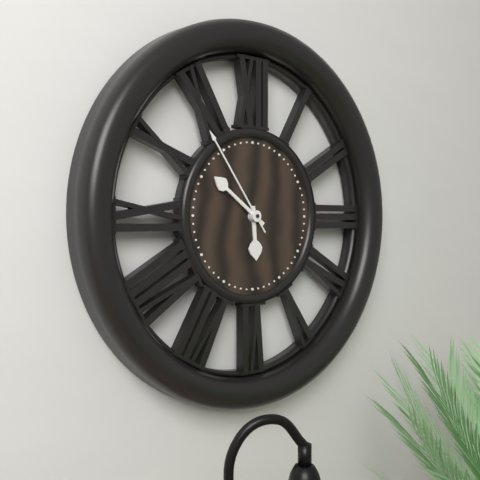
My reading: 5:51:54
